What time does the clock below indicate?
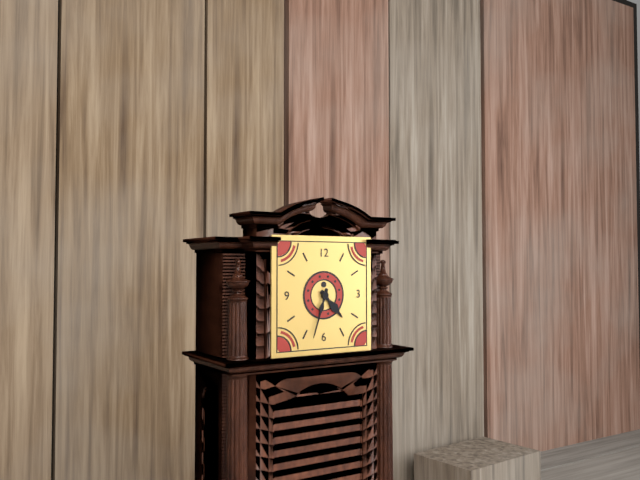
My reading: 4:33
